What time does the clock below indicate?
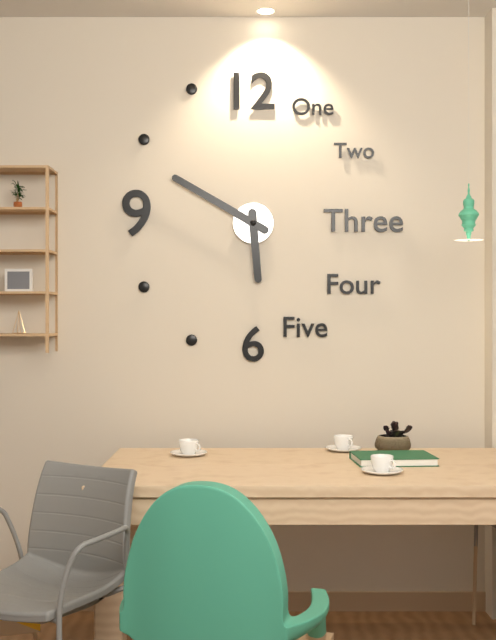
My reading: 5:50
